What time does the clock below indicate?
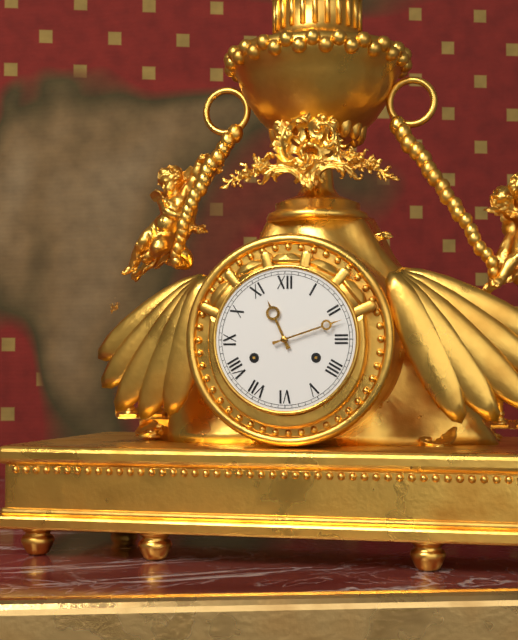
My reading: 11:12
